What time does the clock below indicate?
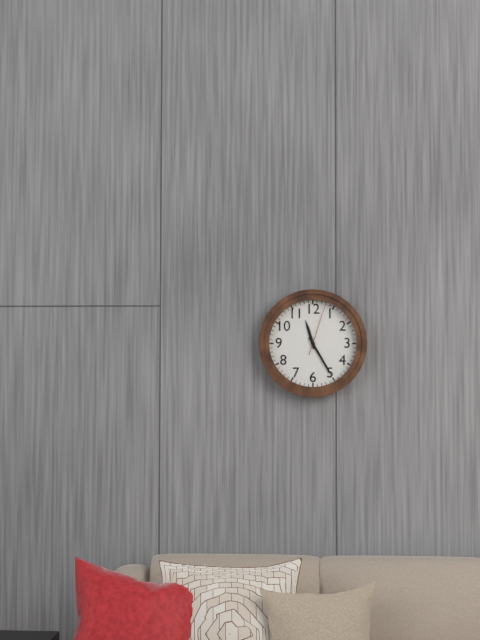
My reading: 11:25:03
